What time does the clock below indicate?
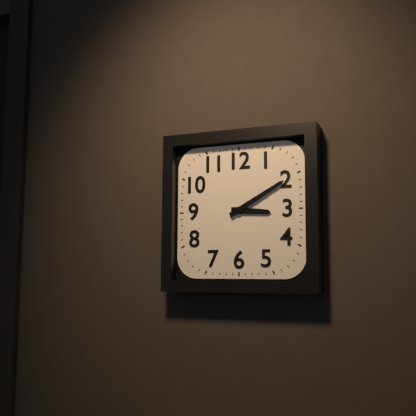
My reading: 3:10
